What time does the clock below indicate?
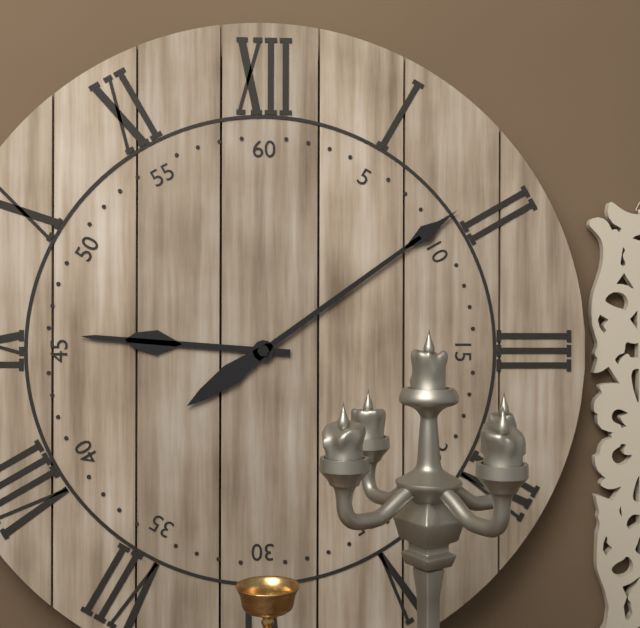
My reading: 9:09
